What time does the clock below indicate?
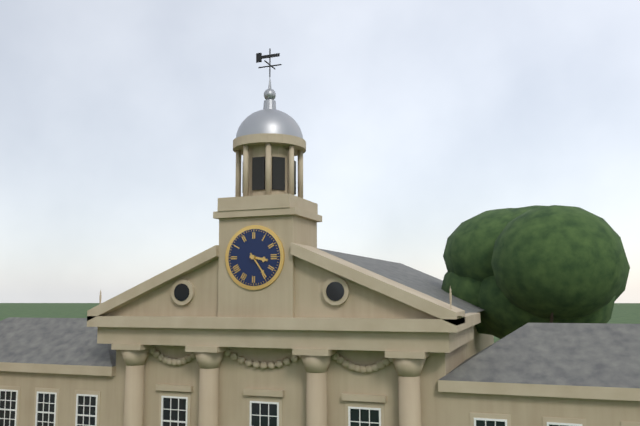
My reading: 3:24
